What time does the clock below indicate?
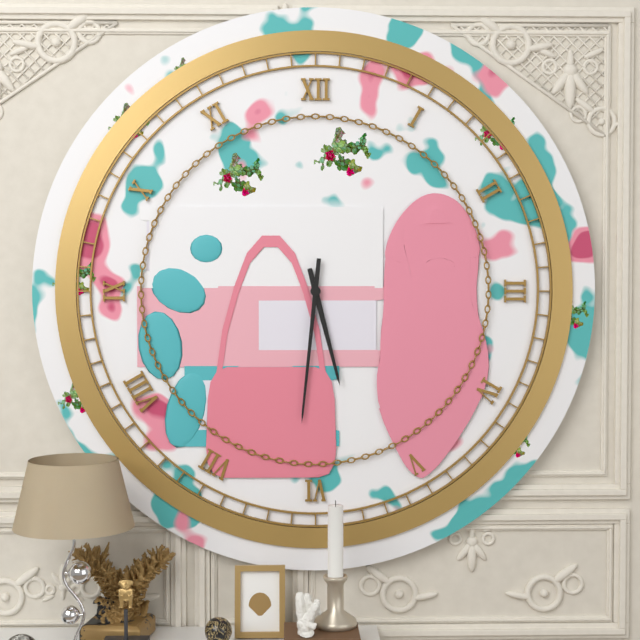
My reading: 5:31
